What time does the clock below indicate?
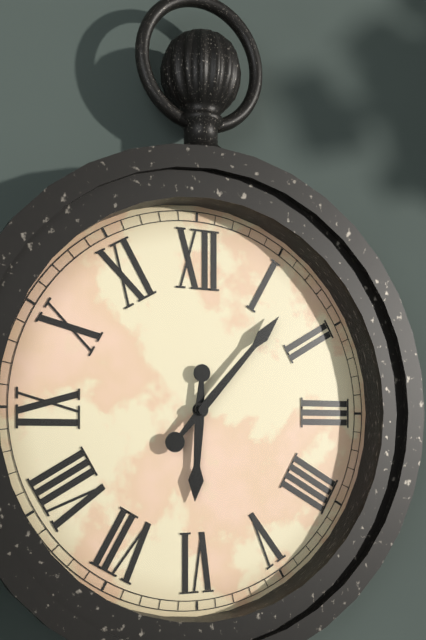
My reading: 6:07
